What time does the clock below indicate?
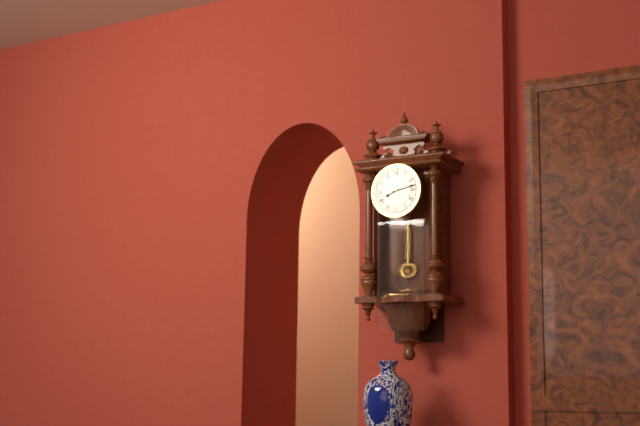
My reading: 8:13
